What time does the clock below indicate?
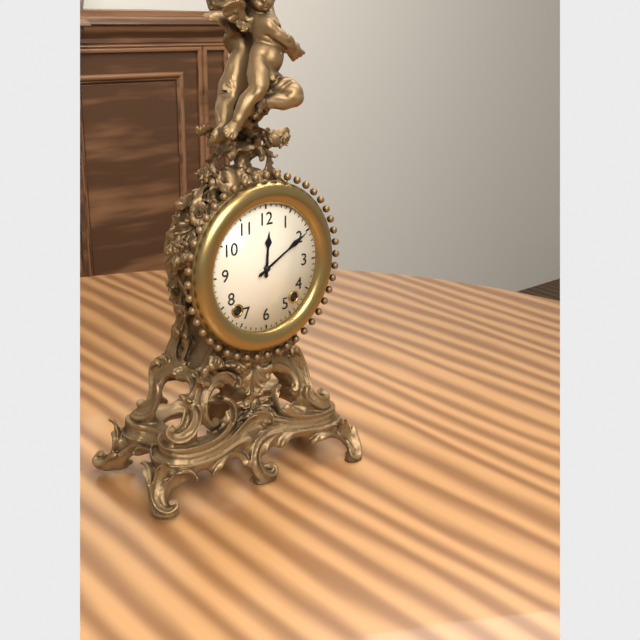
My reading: 12:10
